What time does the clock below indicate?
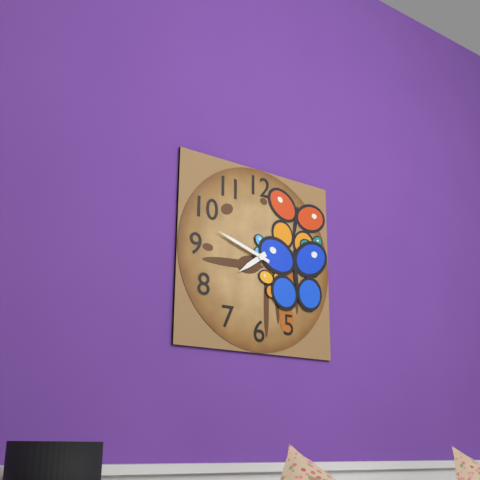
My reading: 7:48
